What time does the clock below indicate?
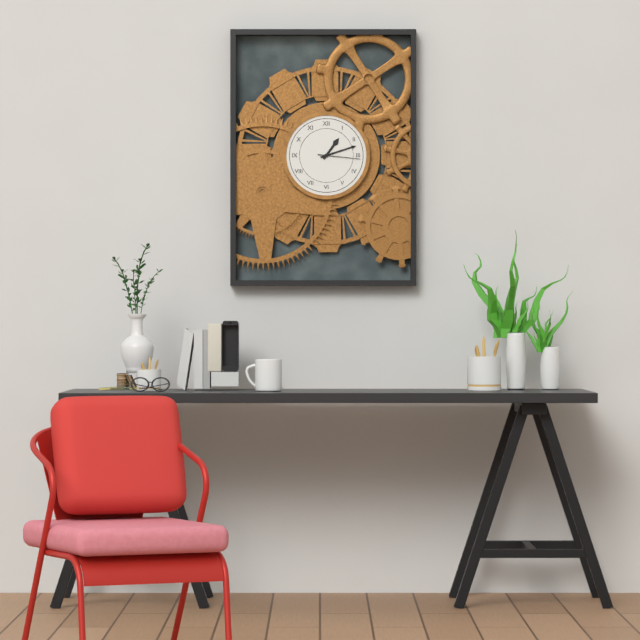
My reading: 1:12
